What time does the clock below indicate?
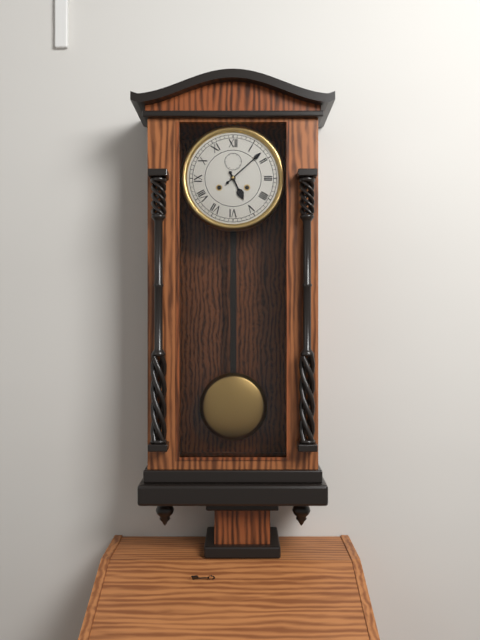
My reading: 5:08
